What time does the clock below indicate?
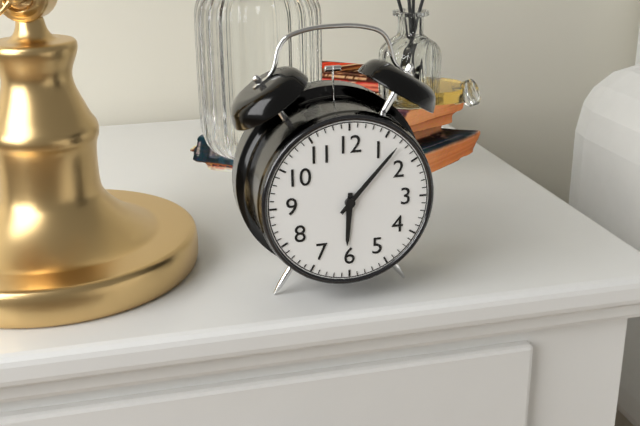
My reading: 6:07
